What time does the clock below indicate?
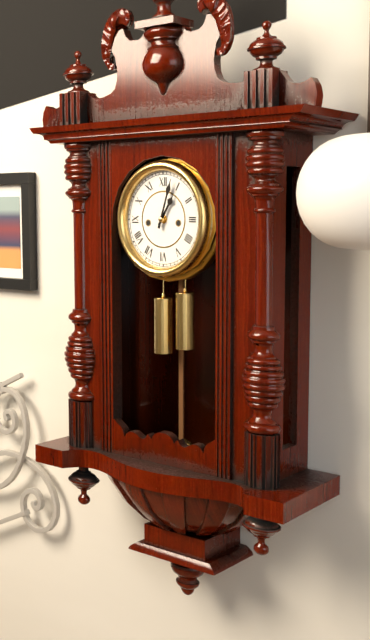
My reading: 1:03
